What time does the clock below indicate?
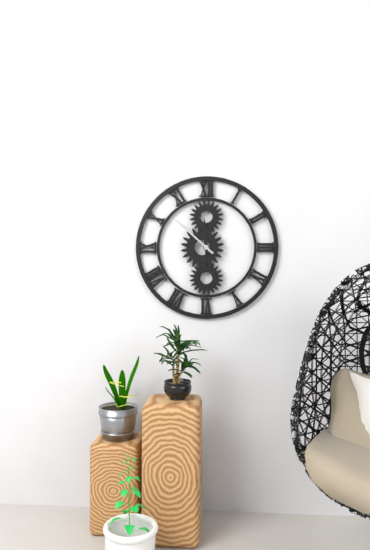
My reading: 11:52
